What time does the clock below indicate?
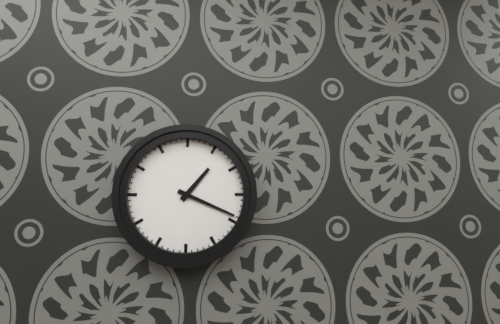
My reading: 1:19
